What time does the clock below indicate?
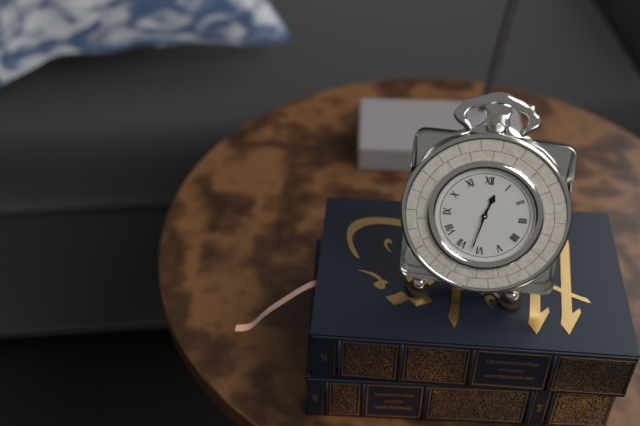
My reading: 12:32
